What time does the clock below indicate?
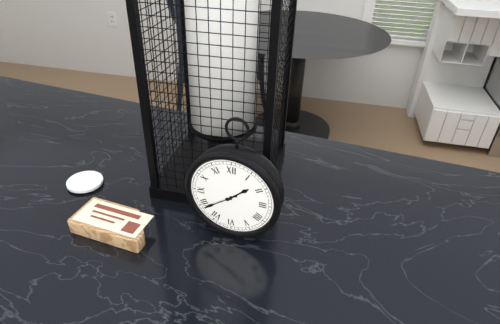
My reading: 1:39
